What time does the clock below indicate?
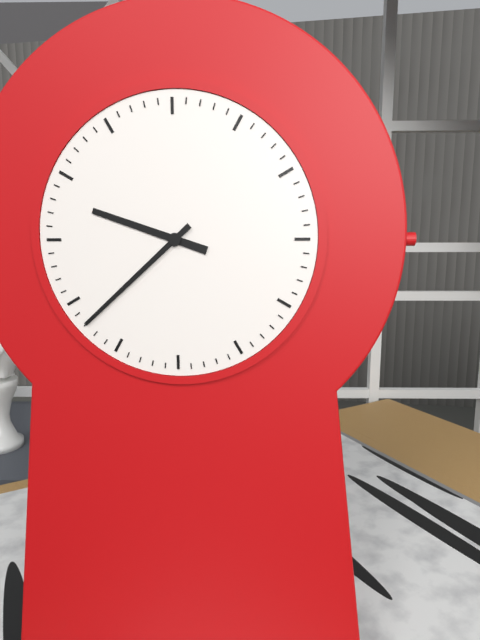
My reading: 9:38
